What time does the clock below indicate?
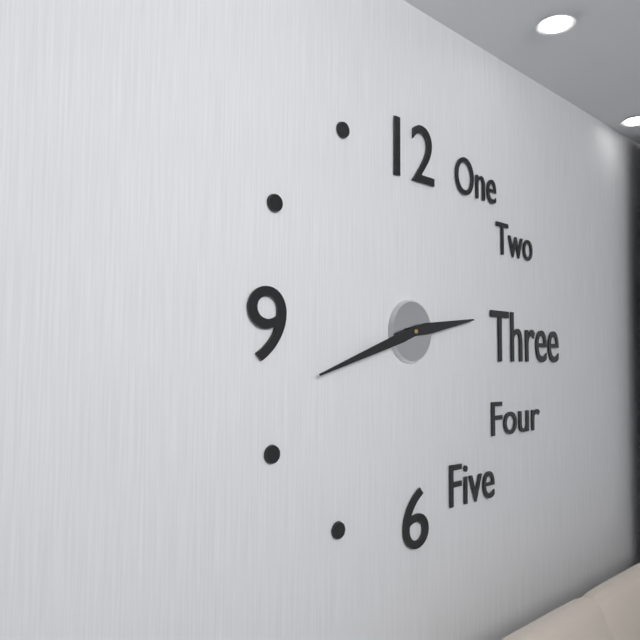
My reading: 2:42
